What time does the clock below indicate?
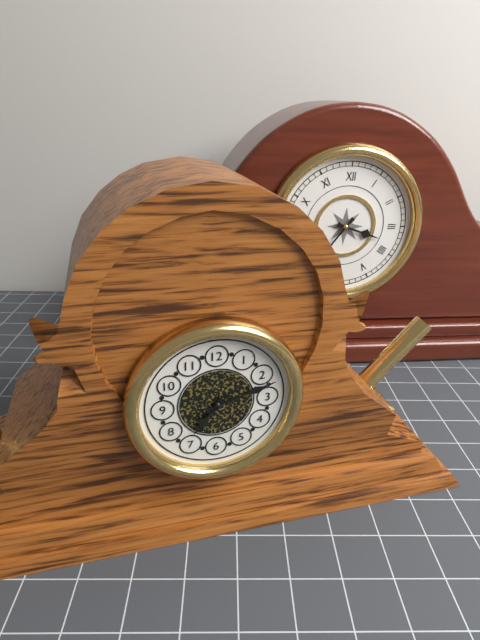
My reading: 7:12
